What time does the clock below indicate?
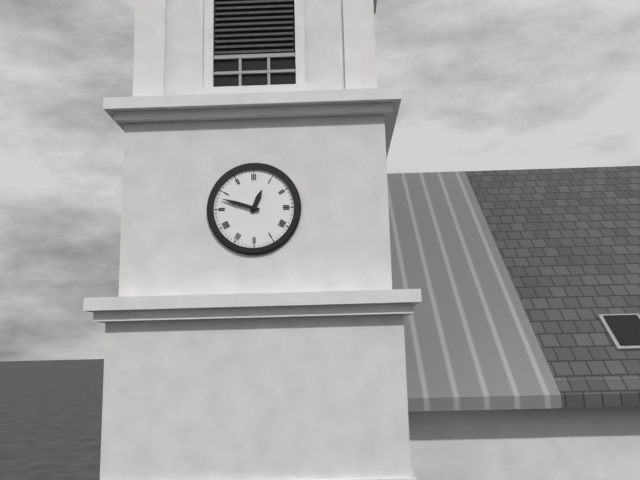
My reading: 12:48
